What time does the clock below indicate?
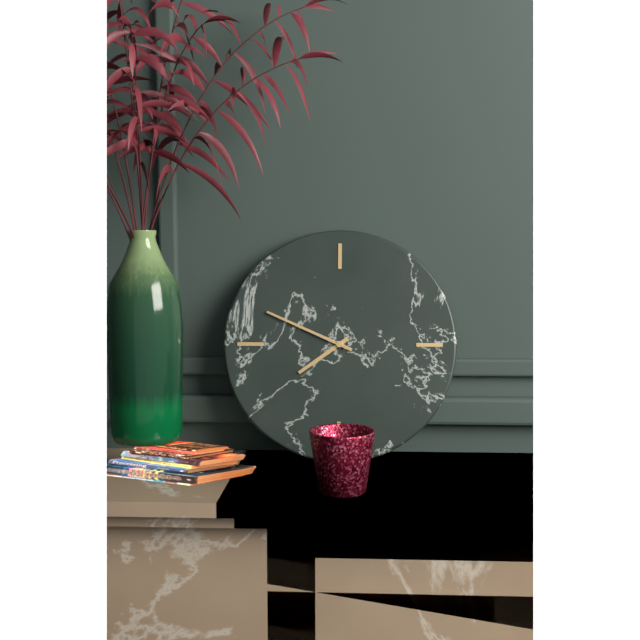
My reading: 7:49
